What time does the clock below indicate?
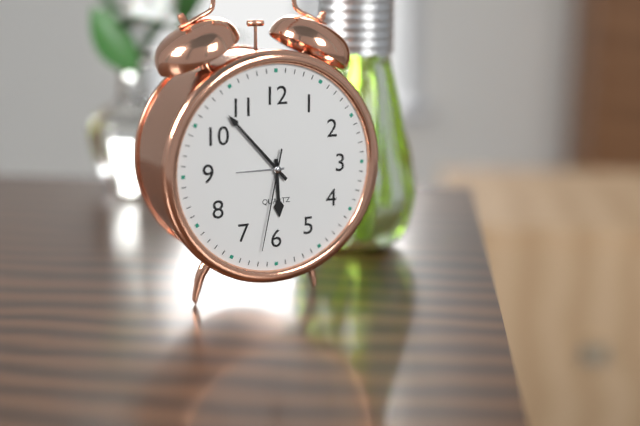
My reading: 5:53:32
